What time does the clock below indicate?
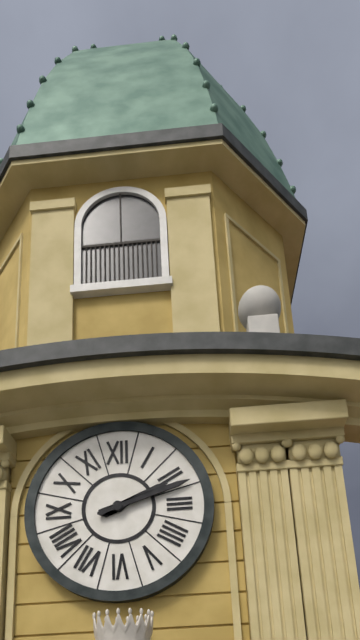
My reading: 2:12
